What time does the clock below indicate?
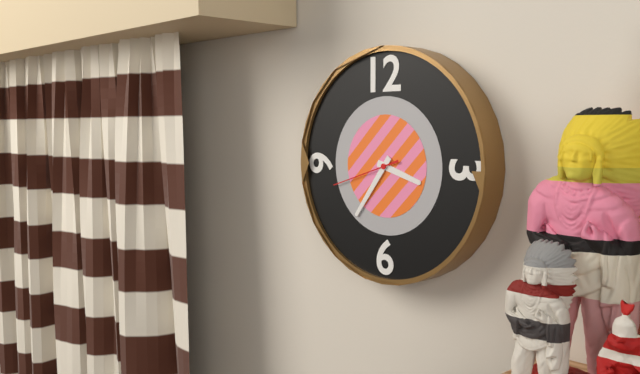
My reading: 3:36:42
